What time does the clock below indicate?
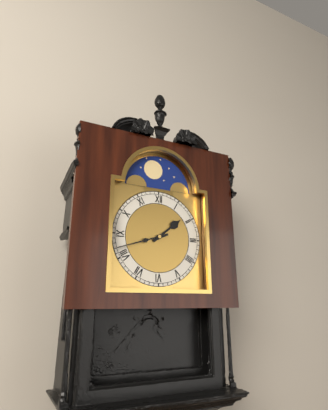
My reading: 1:42
